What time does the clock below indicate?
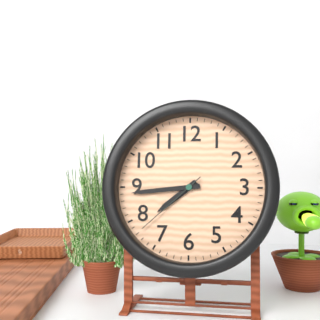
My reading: 7:44:38
